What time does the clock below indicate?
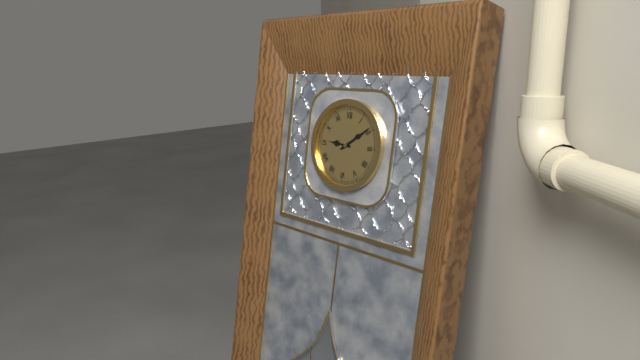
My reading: 9:09
